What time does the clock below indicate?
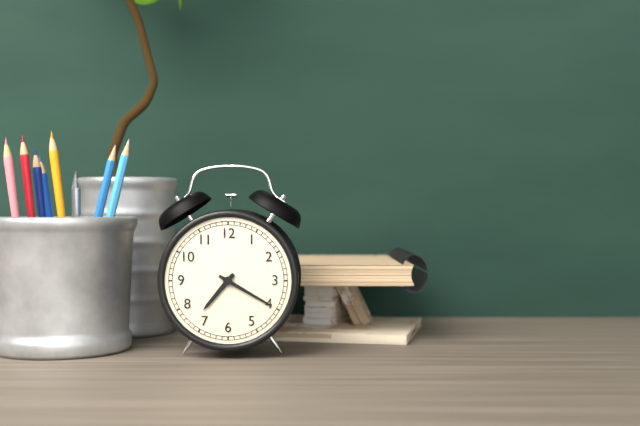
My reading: 7:20
